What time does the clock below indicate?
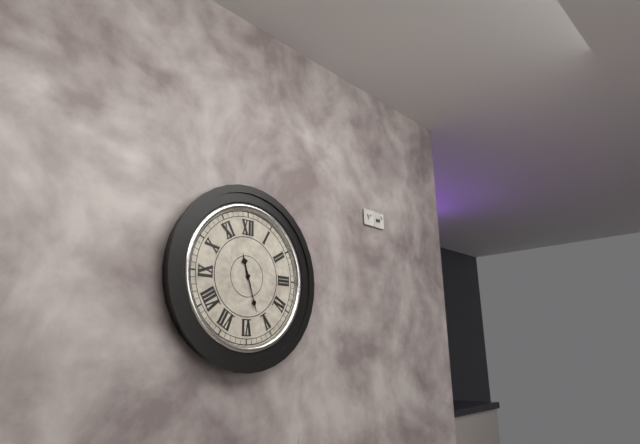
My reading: 11:27
